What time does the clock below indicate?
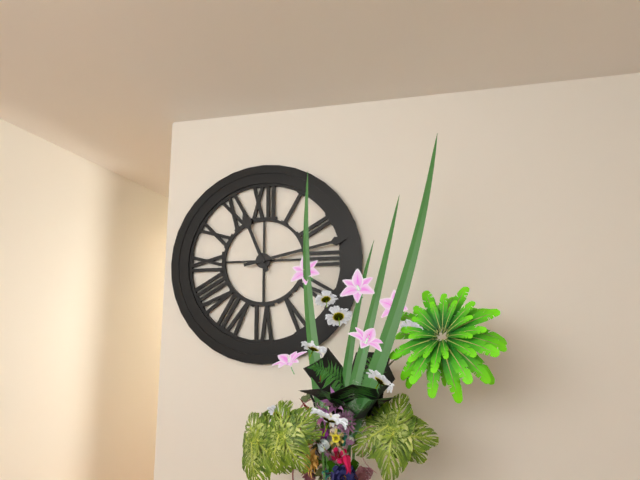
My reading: 11:13
